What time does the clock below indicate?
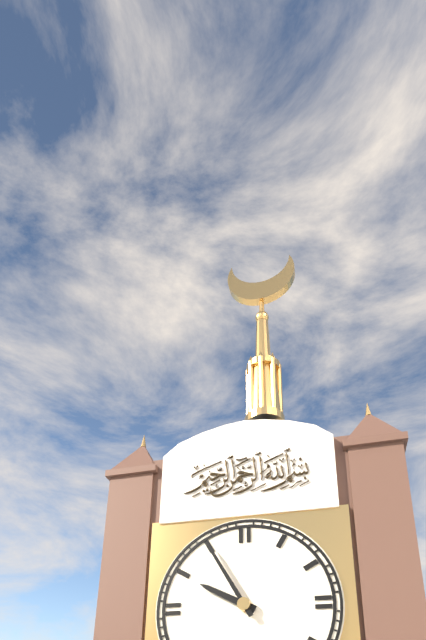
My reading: 9:55
